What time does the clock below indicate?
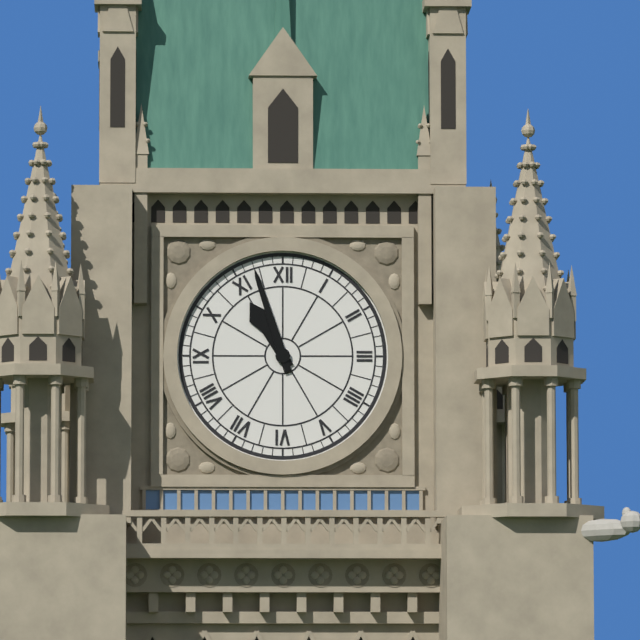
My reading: 10:57
